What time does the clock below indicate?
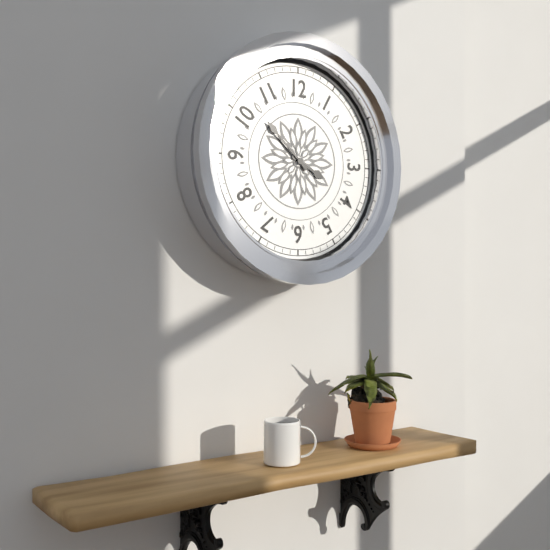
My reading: 3:52
